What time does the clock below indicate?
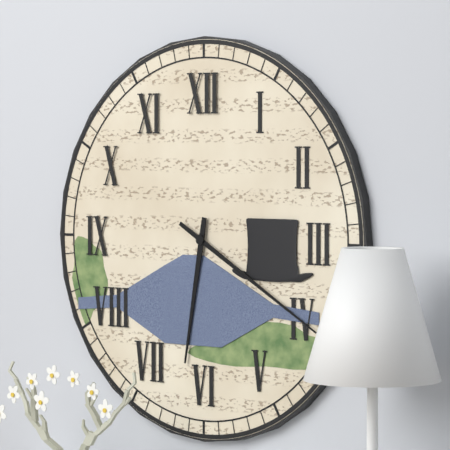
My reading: 6:20
